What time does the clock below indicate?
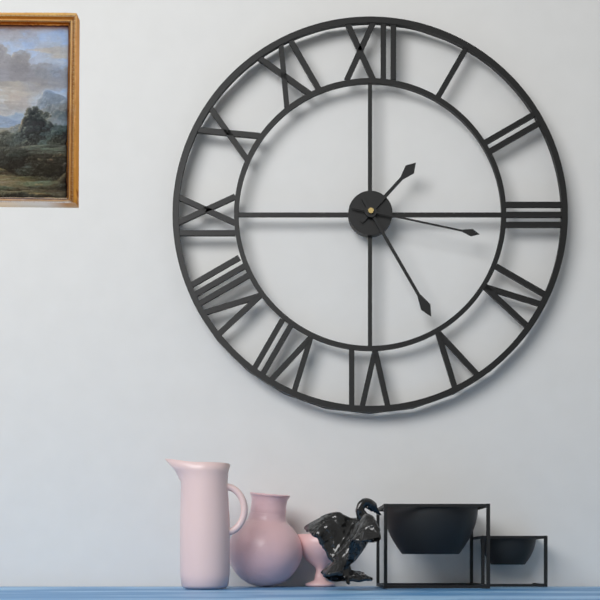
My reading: 1:25:17
